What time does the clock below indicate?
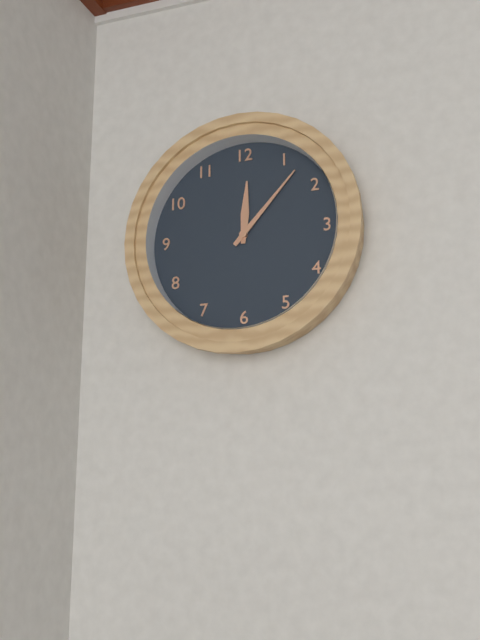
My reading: 12:07
